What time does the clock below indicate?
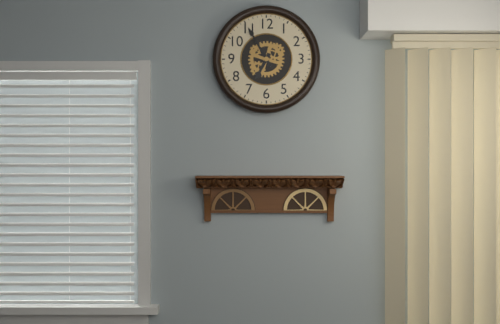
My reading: 6:55
